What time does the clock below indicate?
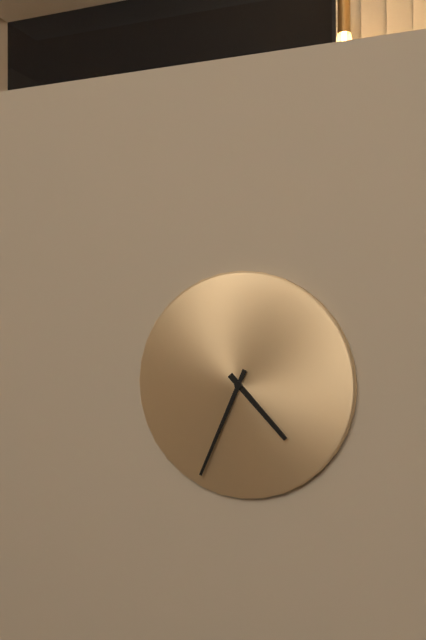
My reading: 4:34
